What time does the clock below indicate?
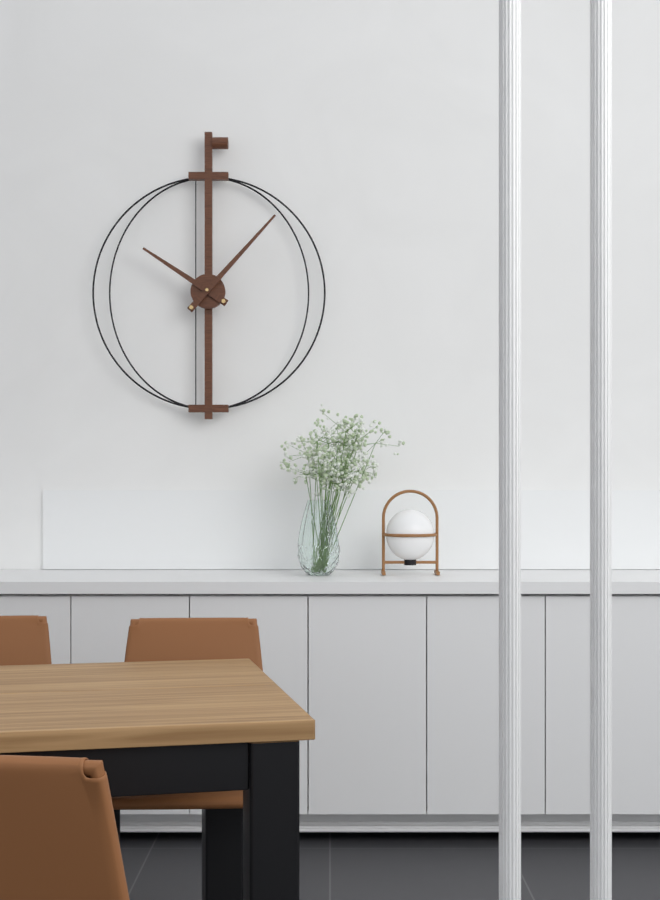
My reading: 10:07
